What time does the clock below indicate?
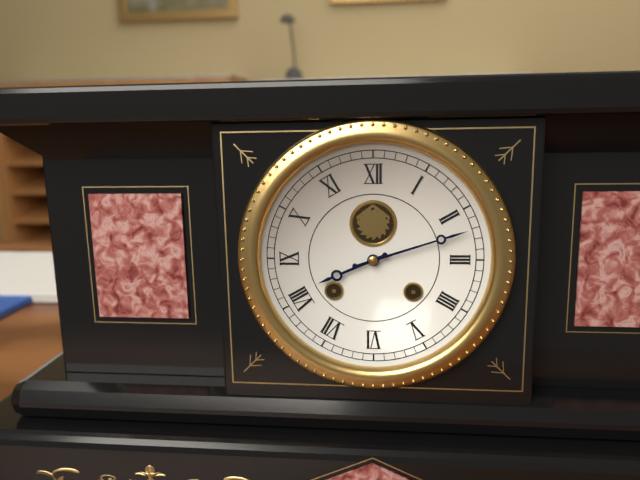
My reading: 8:12
